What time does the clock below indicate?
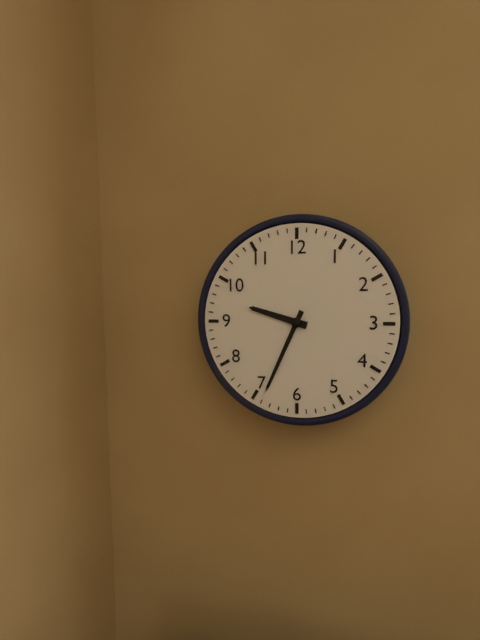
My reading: 9:34
